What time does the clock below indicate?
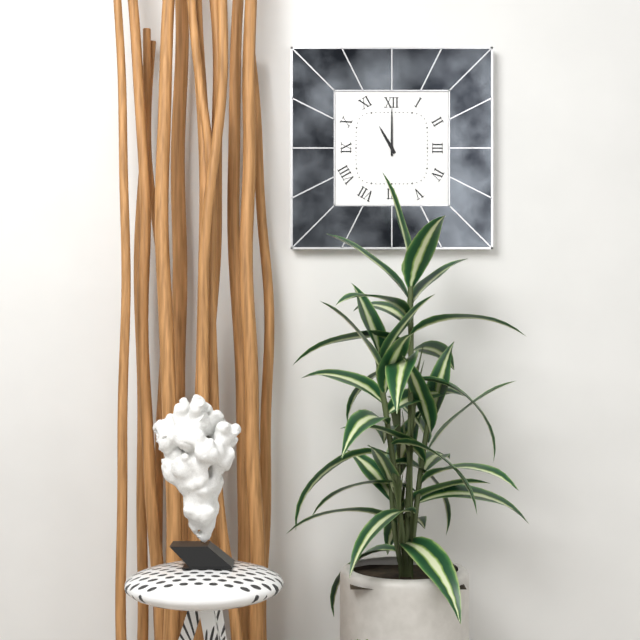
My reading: 11:00
